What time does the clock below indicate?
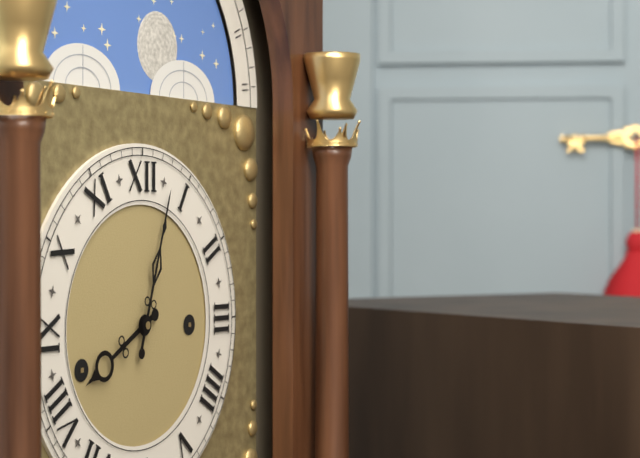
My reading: 8:03
